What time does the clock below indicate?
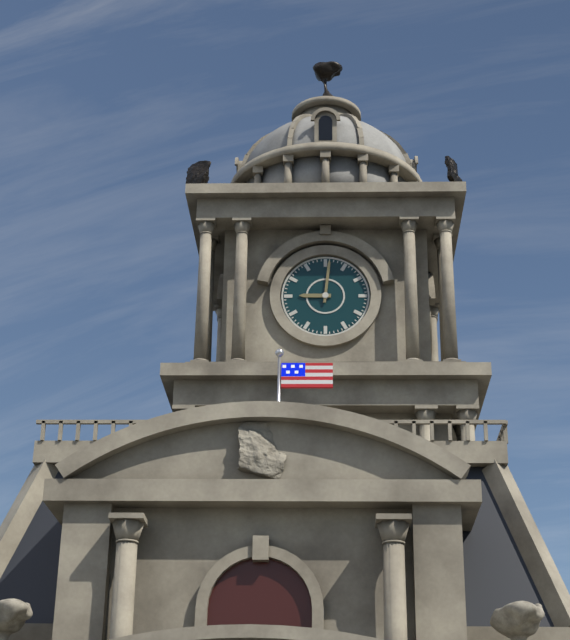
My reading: 9:01
